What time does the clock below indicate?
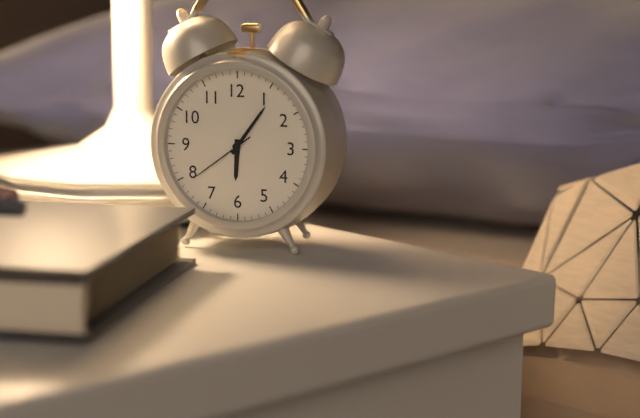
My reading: 6:06:39
